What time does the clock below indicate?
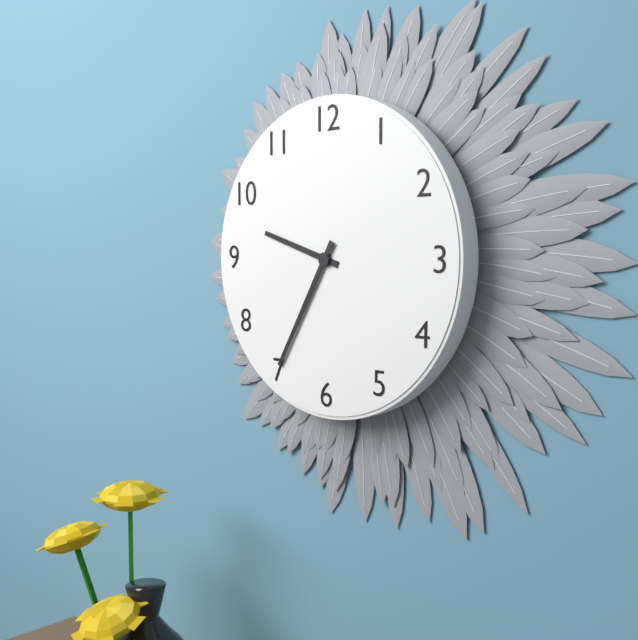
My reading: 9:35
